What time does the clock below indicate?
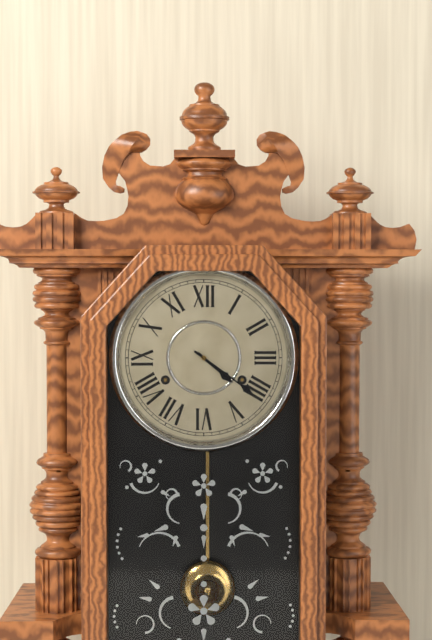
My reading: 4:21
